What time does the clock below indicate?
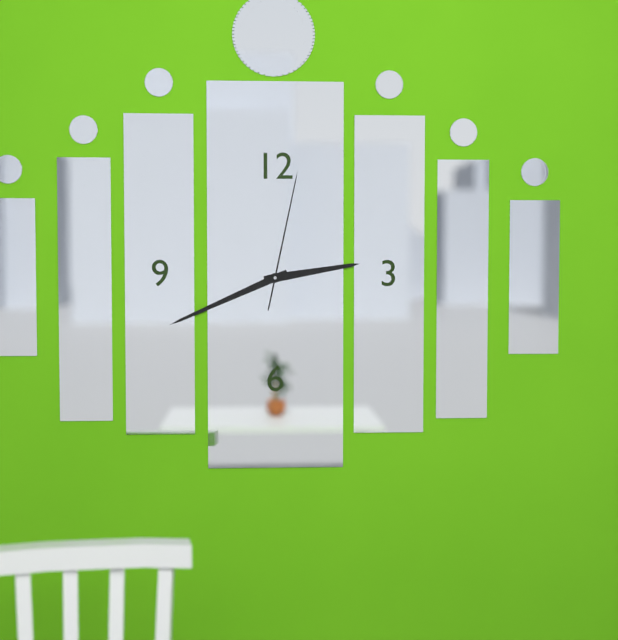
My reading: 2:41:02
